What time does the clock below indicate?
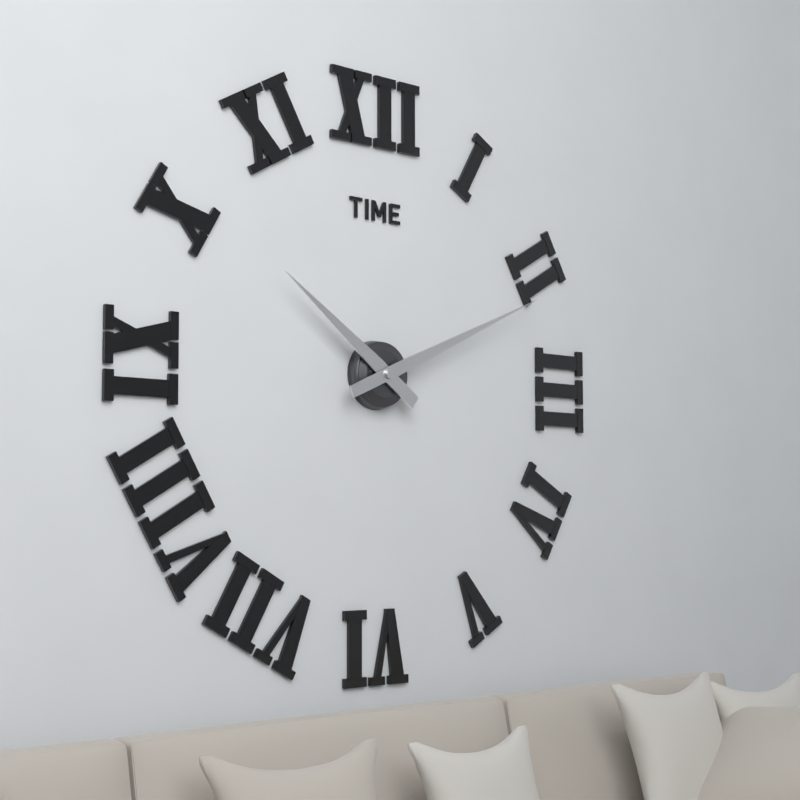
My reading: 10:11
